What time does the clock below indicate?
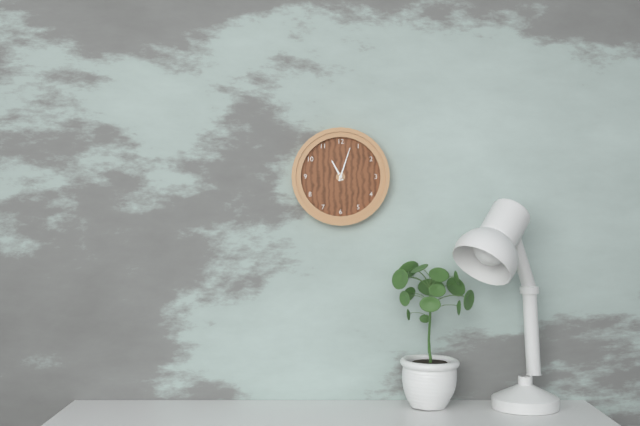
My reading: 11:03
